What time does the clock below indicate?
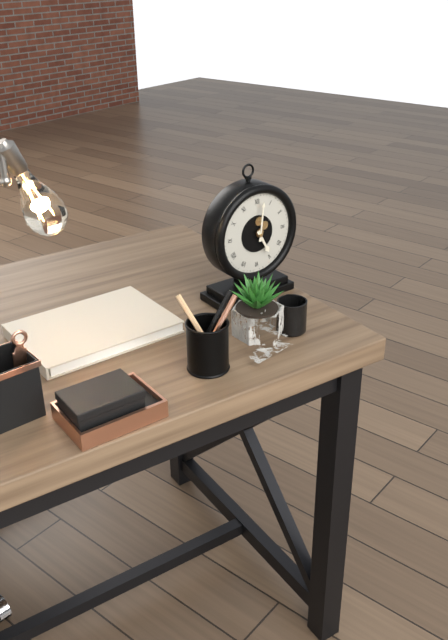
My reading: 5:01
